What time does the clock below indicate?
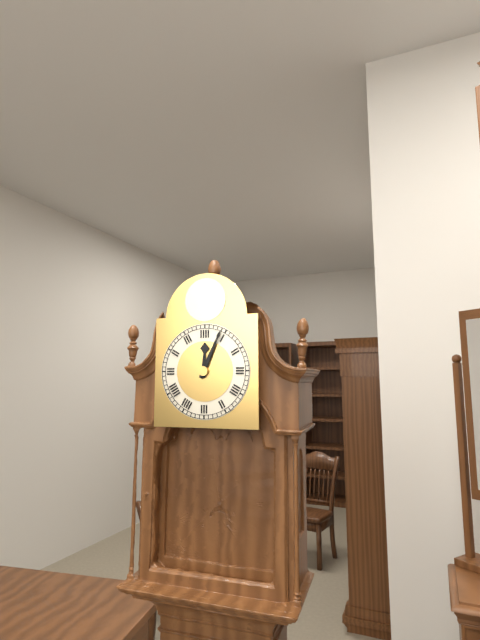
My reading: 12:04
